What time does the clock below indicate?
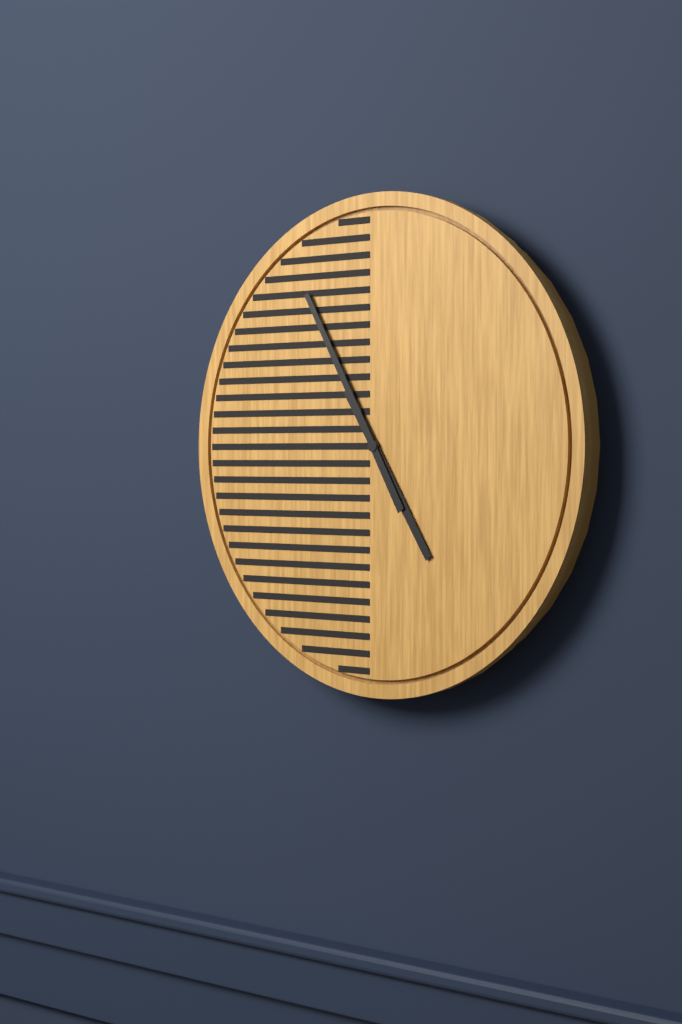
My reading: 4:55
